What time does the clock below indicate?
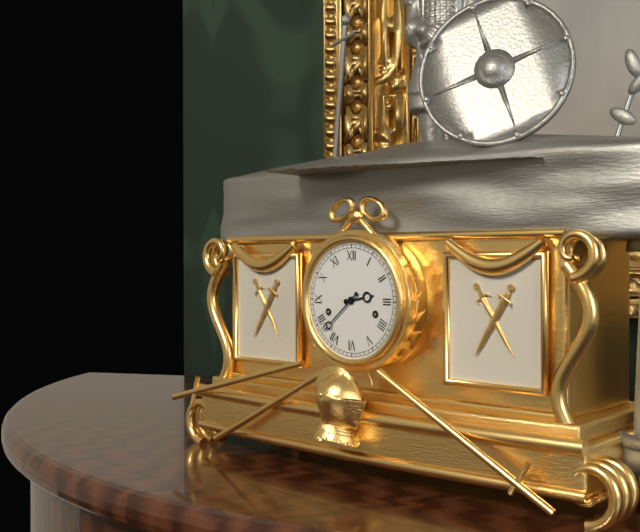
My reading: 2:38
